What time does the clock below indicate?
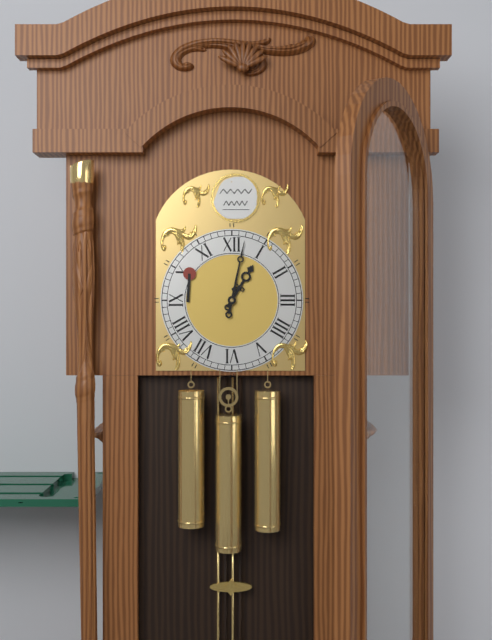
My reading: 1:02
